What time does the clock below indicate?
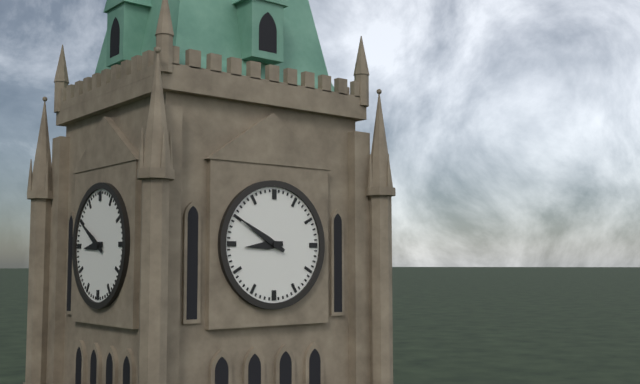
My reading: 8:50
